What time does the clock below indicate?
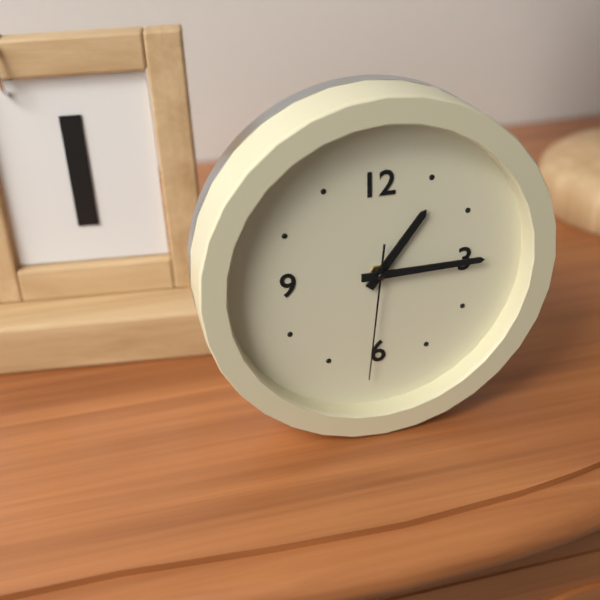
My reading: 1:15:31
